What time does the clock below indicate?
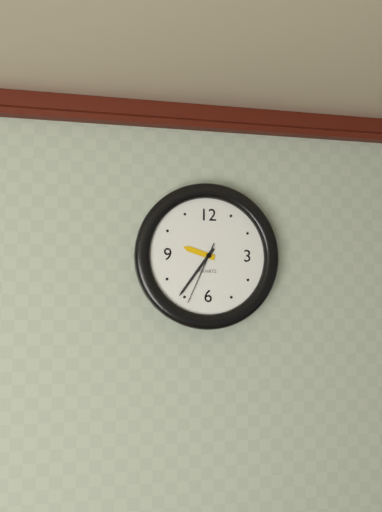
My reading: 9:36:34
